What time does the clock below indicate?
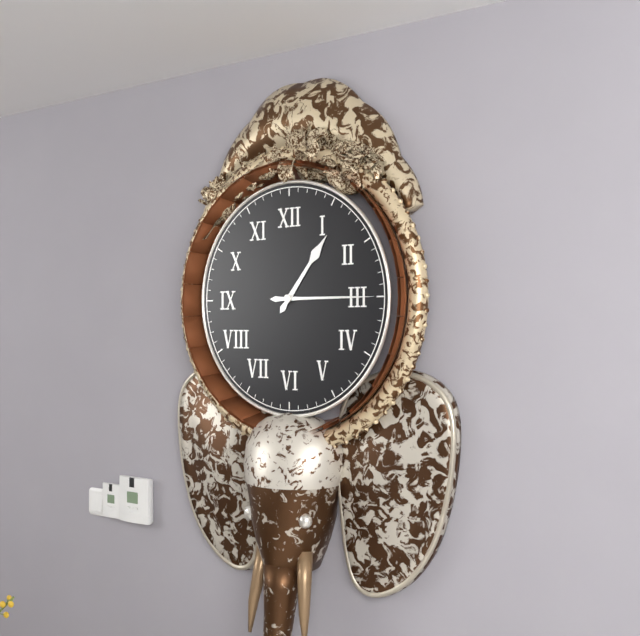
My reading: 1:15
